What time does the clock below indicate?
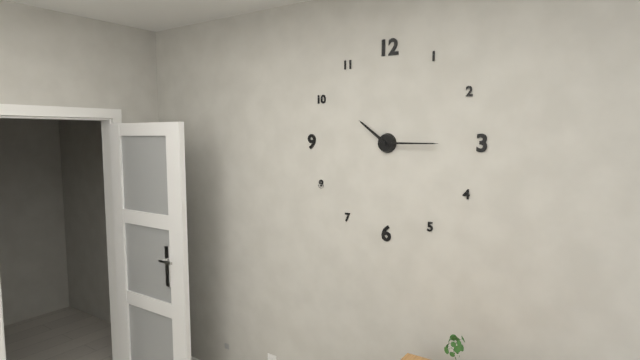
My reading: 10:15
